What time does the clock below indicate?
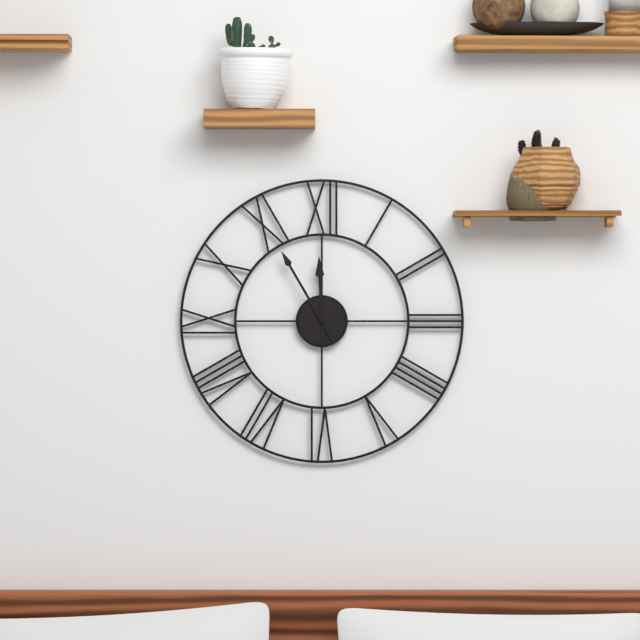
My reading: 11:55
